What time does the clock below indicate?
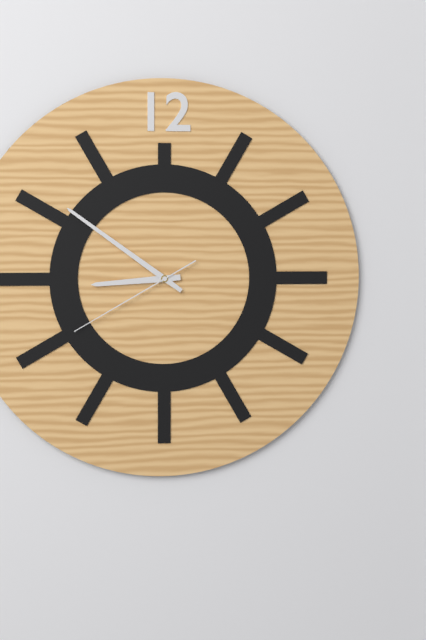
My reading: 8:51:40
